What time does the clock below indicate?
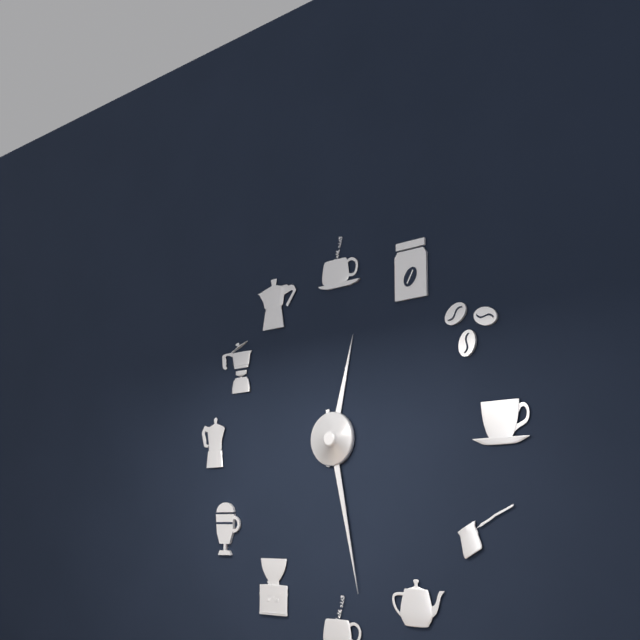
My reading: 12:28
